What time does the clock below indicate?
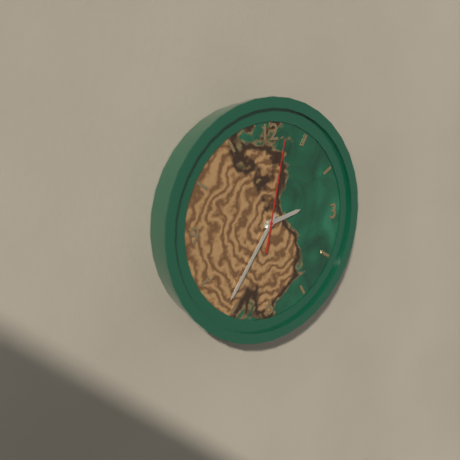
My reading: 2:36:02
